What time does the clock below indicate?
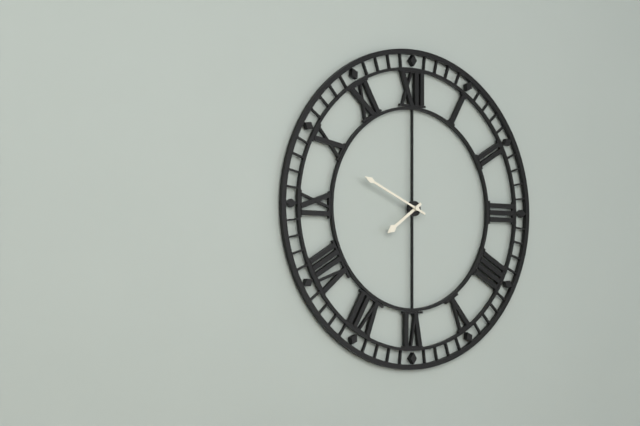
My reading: 7:49
